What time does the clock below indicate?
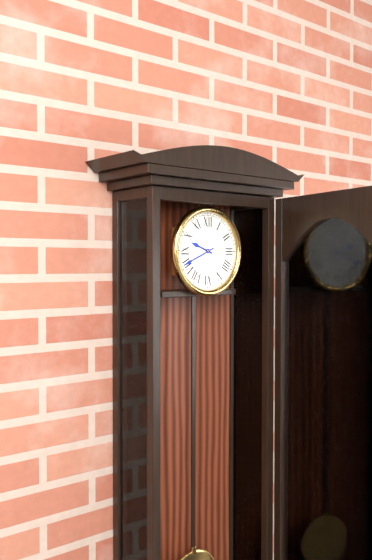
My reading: 9:41
